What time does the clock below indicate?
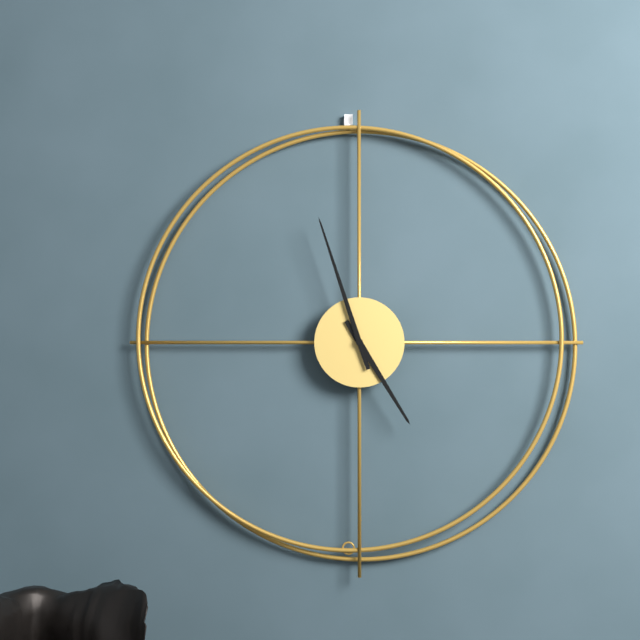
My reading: 4:57
